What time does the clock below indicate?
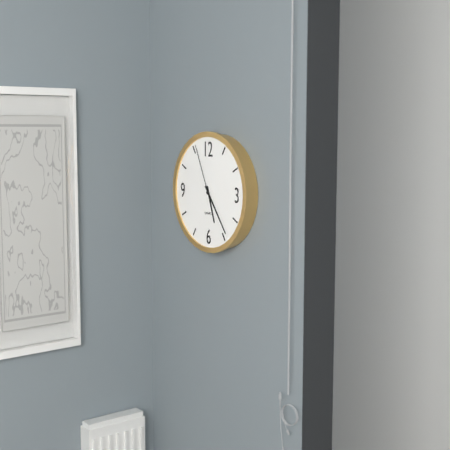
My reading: 5:24:56
